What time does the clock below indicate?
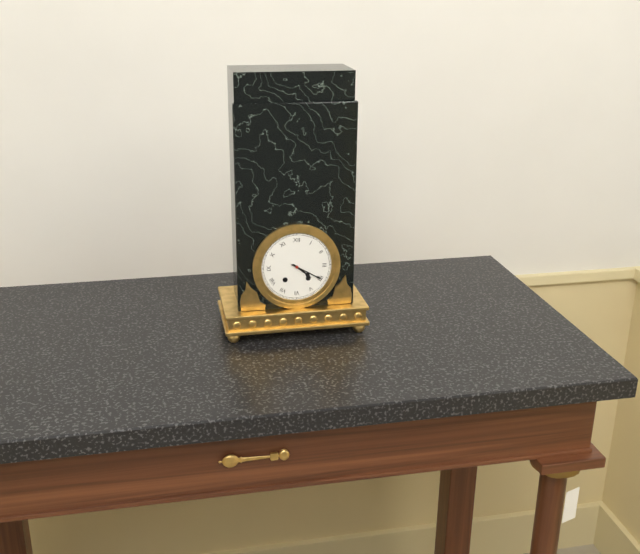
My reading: 4:20
